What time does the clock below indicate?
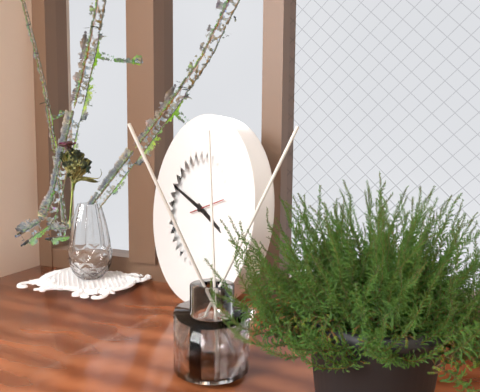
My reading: 3:48
